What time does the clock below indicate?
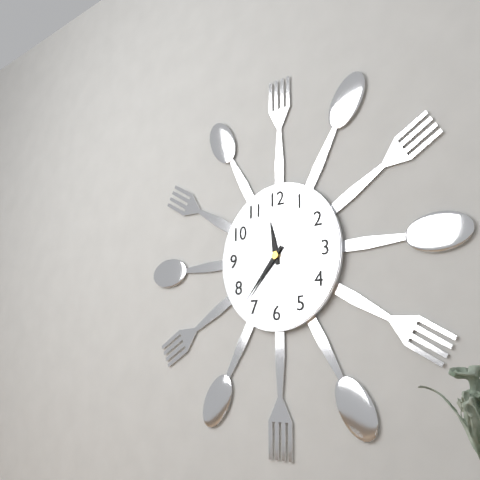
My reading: 11:37
